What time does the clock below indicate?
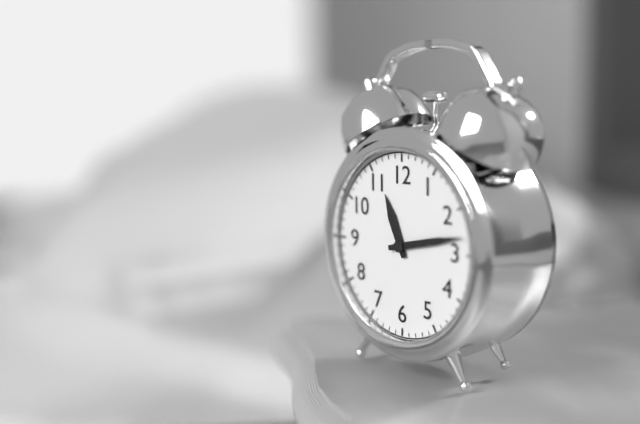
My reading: 11:13
